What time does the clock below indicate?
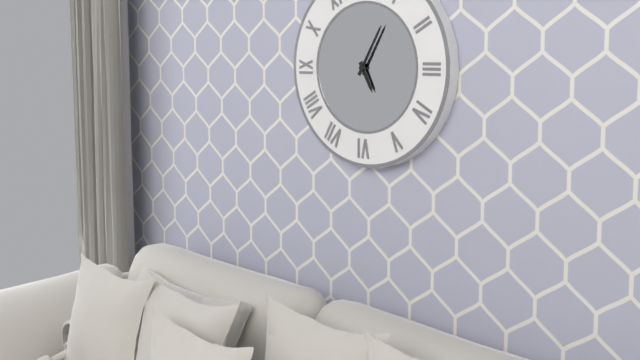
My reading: 5:05
